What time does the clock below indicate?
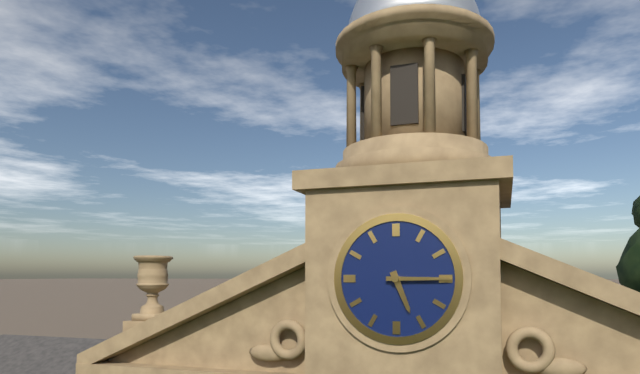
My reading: 5:15
